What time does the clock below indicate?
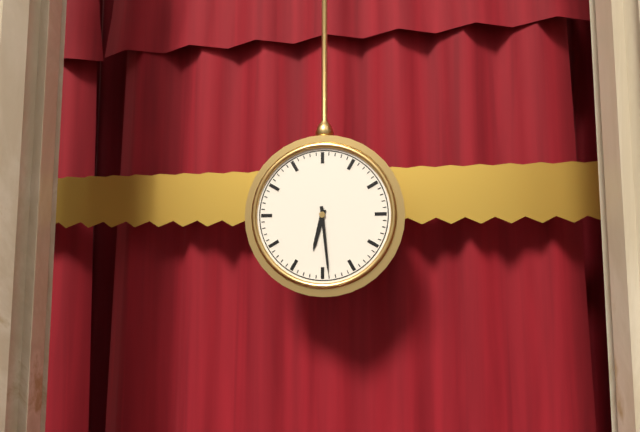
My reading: 6:29
